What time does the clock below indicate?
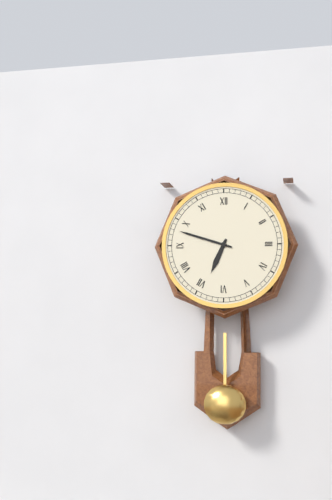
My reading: 6:48
